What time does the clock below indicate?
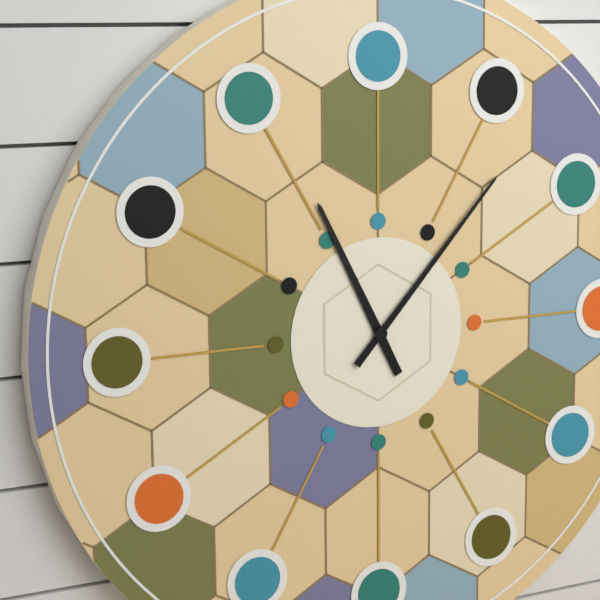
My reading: 11:07
